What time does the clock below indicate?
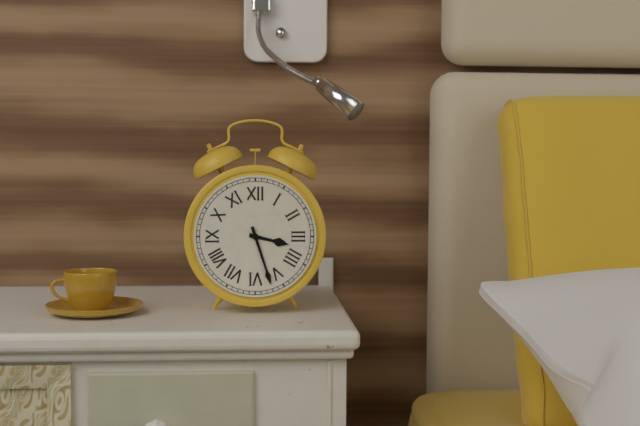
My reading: 3:27
